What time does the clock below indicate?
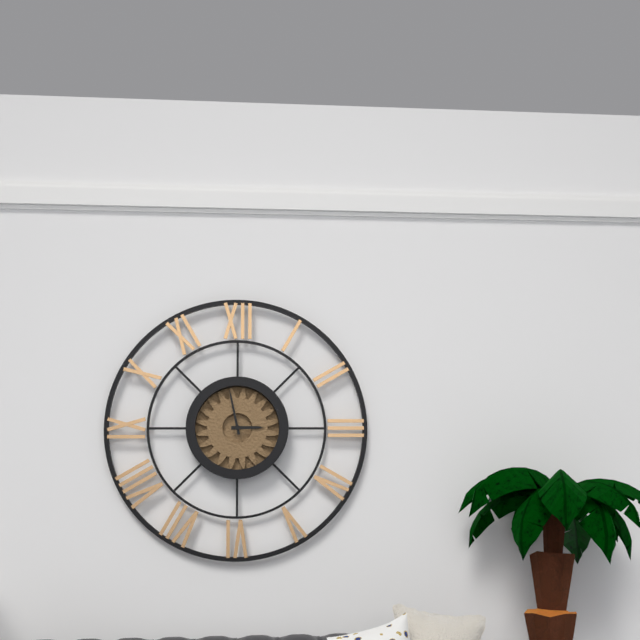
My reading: 2:58
